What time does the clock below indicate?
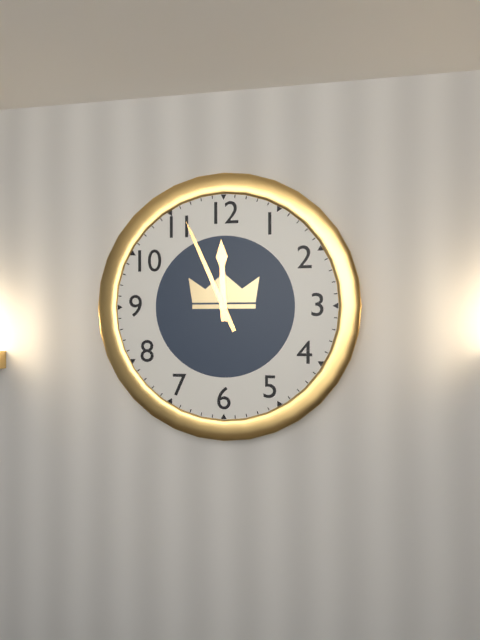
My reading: 11:56
